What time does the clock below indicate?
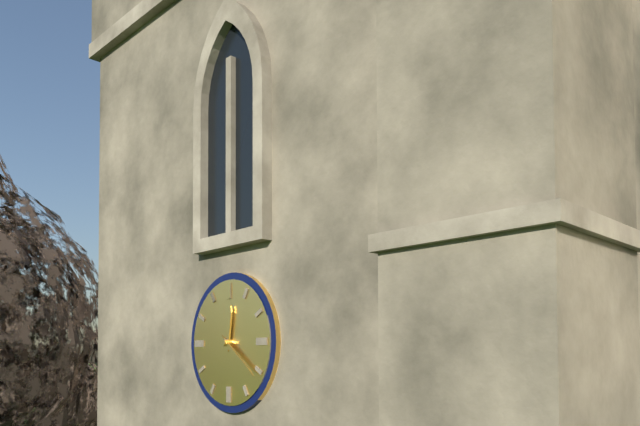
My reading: 12:21
